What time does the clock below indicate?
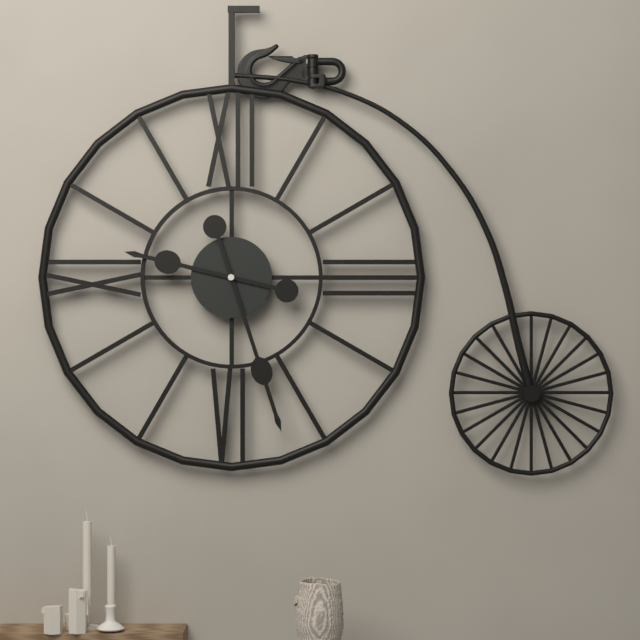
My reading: 9:27
